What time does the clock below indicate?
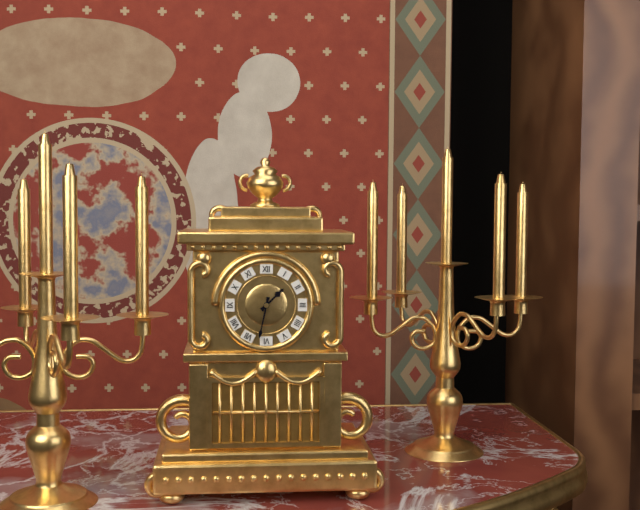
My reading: 1:32
